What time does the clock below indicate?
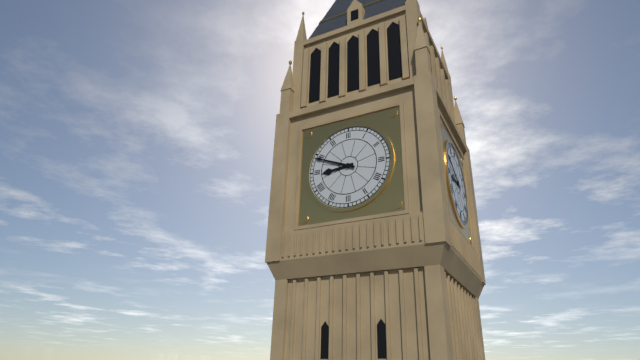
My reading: 8:49
